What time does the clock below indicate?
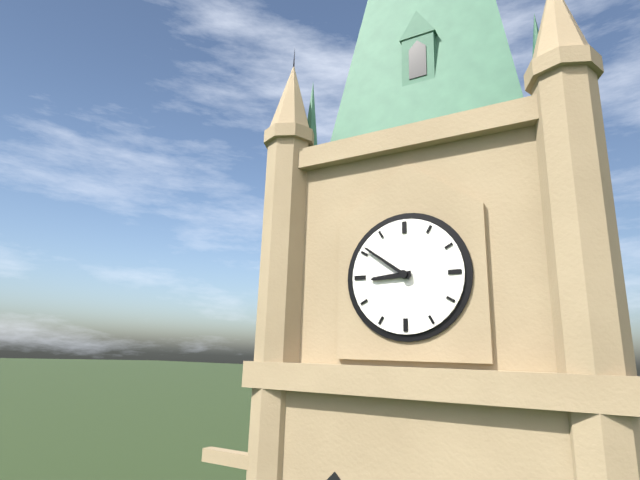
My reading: 8:51
